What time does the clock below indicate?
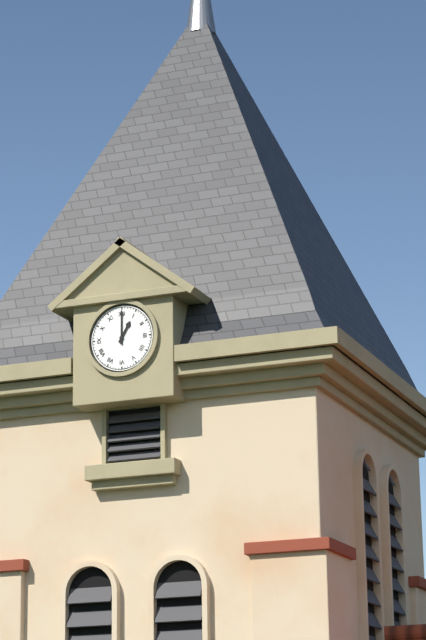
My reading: 1:00
